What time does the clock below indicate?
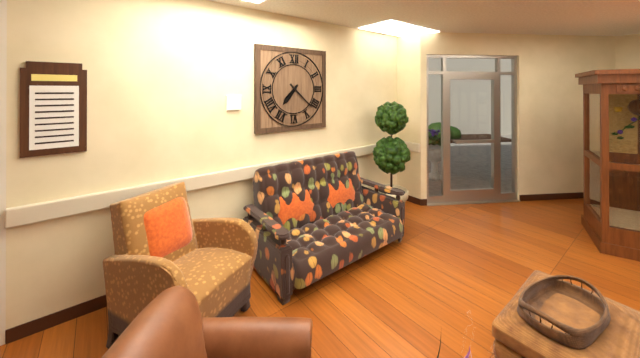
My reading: 7:22
